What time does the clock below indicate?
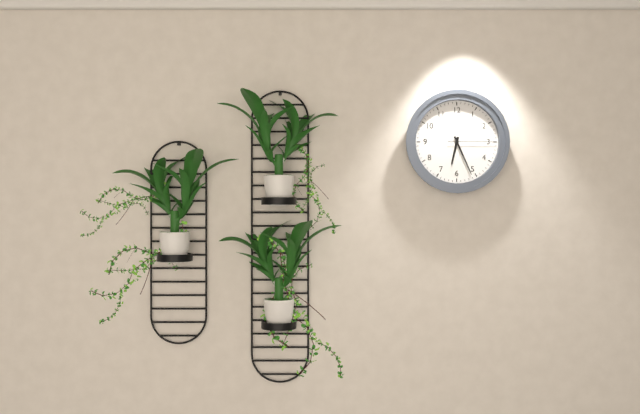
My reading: 6:26
